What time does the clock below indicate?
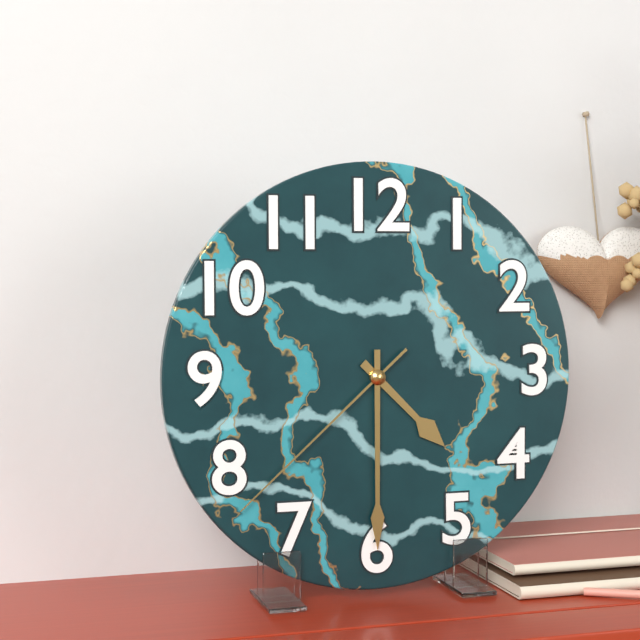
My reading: 4:30:38
